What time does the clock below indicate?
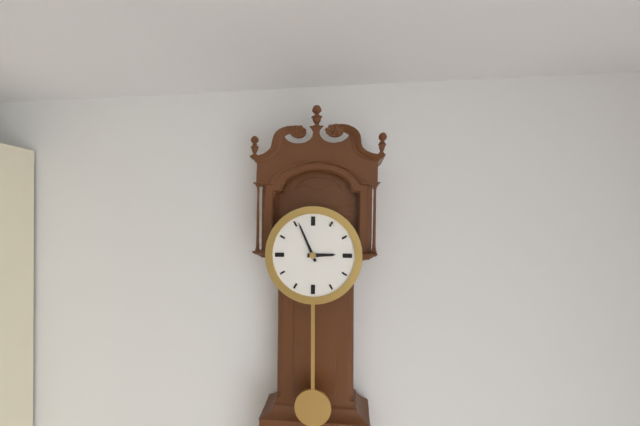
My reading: 2:56
